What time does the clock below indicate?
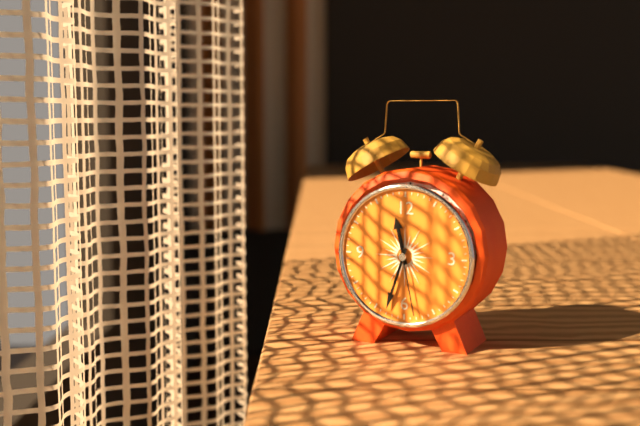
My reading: 11:33:28
